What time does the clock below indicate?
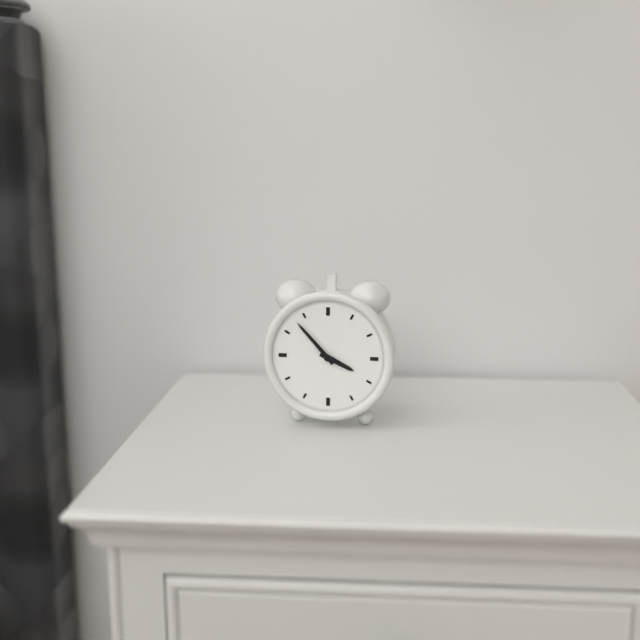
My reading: 3:53
